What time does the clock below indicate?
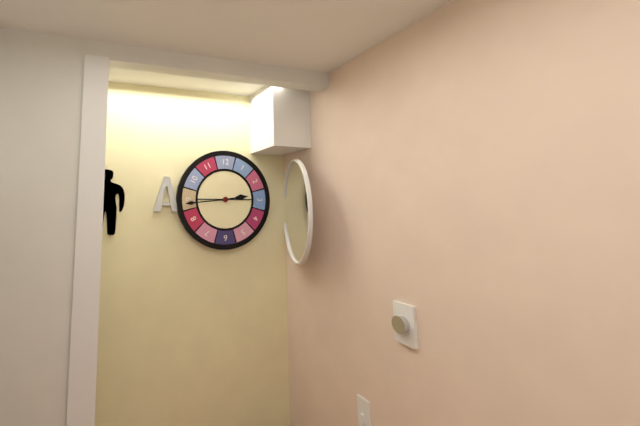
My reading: 2:44
